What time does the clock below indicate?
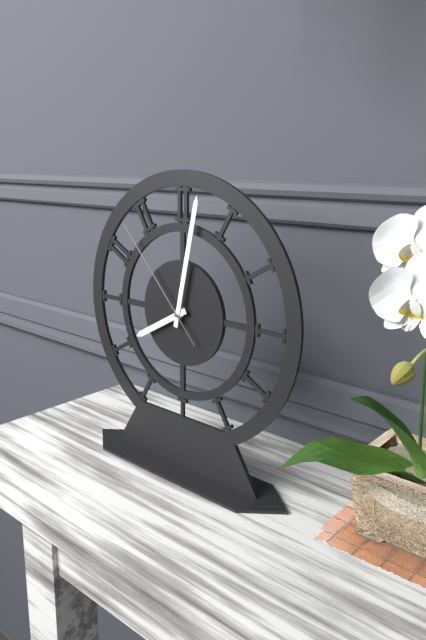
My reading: 8:02:53
